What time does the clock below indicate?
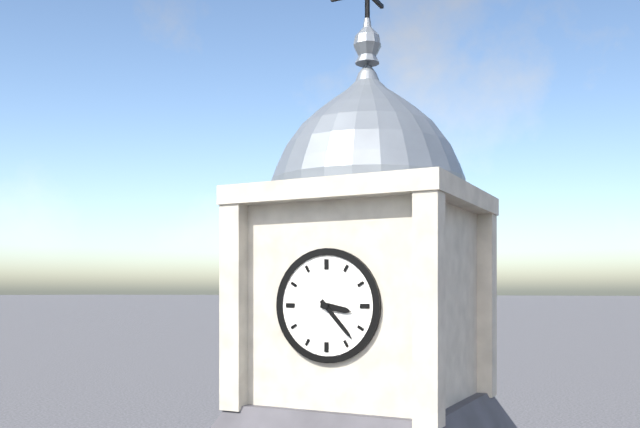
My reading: 3:23
